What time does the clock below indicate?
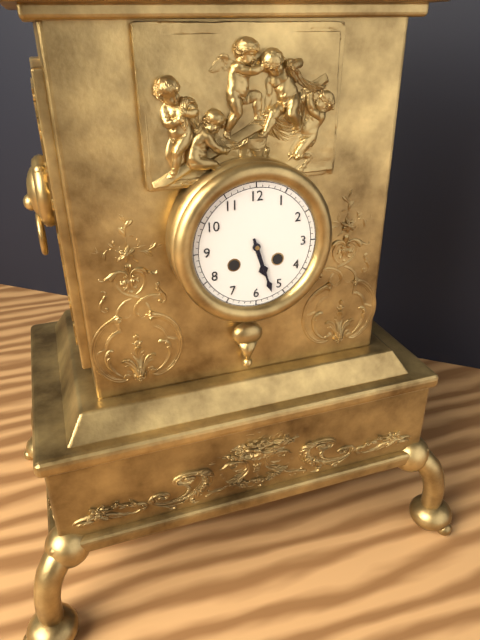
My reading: 5:27
